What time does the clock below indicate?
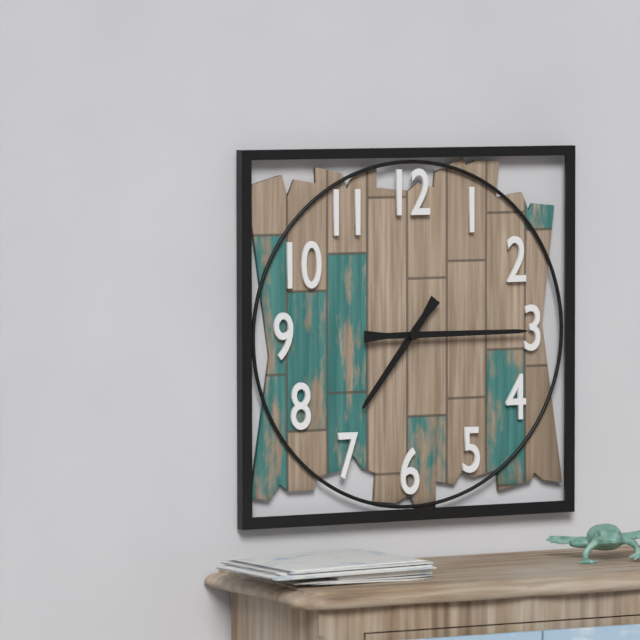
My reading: 7:15
